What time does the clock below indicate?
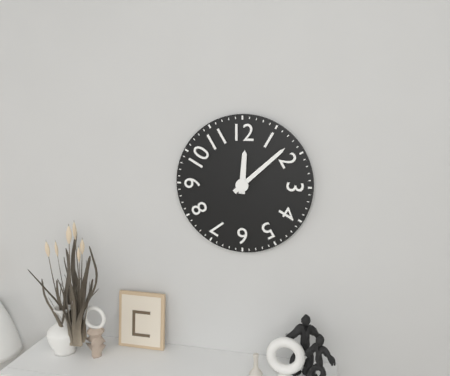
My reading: 12:08
